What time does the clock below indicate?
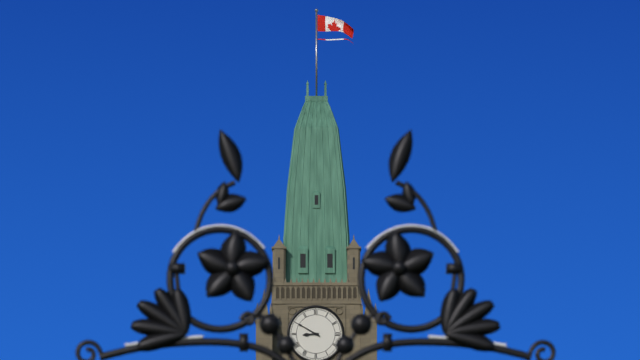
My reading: 8:50
